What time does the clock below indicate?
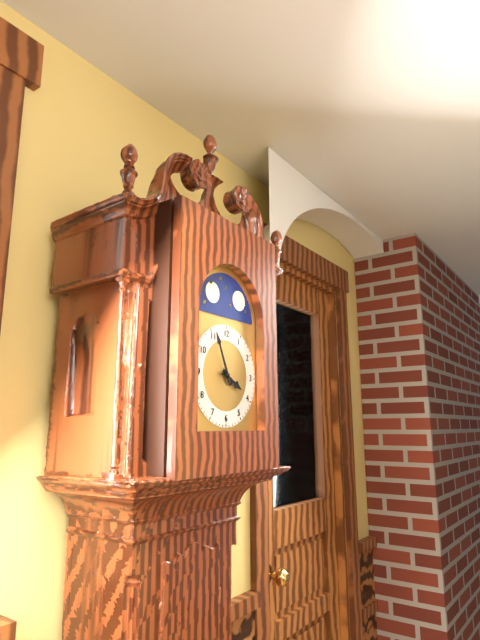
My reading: 3:56
